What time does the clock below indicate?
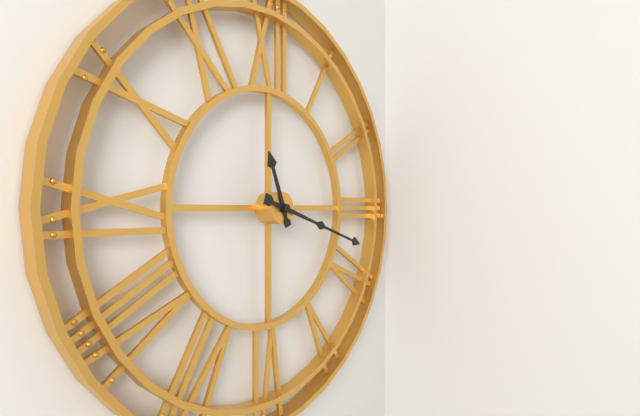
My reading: 11:18
